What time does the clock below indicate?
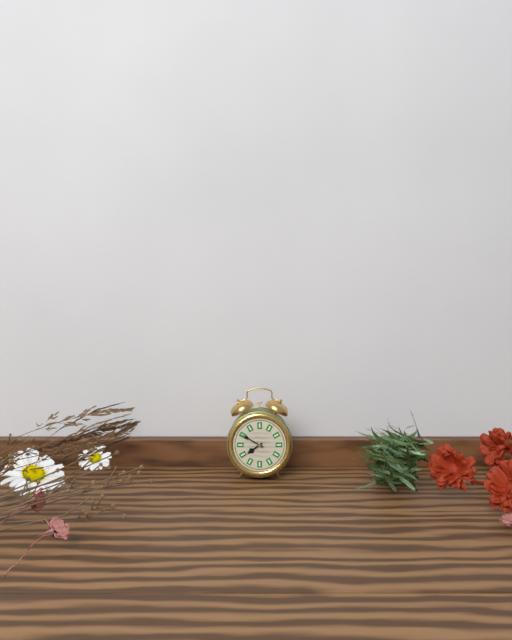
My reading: 7:50
